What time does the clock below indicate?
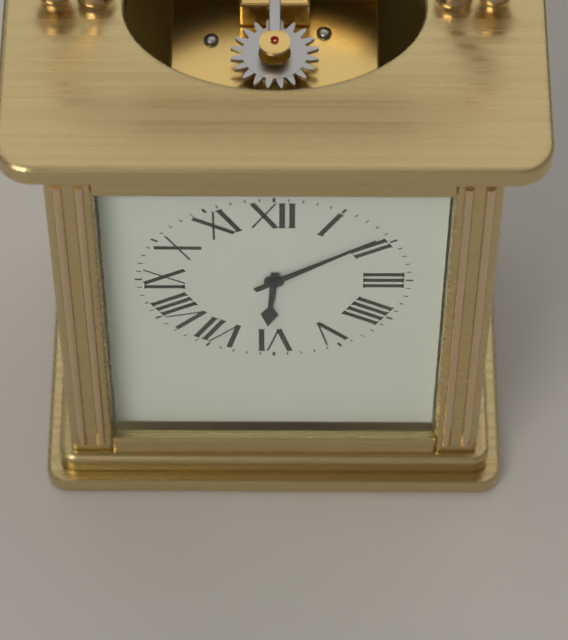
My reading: 6:09
